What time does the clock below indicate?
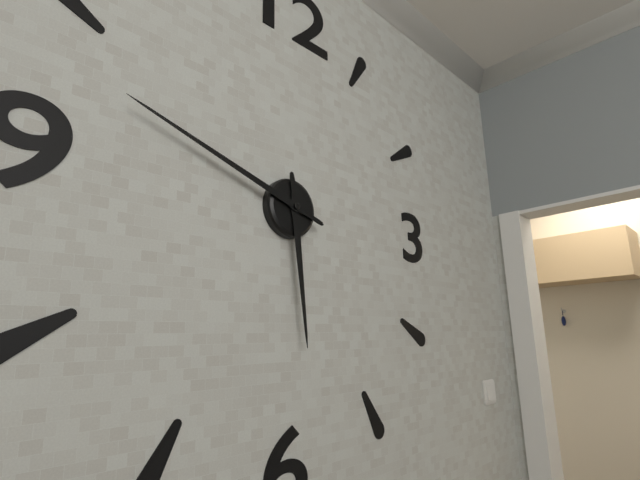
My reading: 5:48
